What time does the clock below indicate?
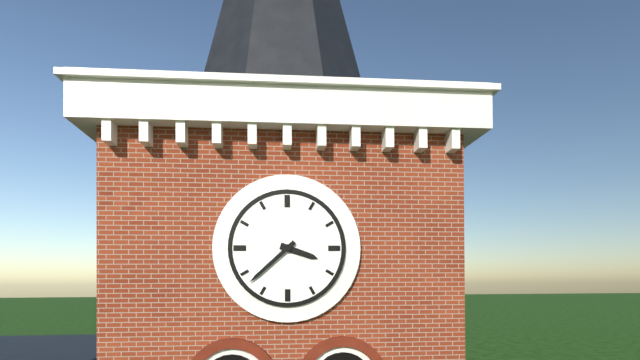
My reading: 3:38
